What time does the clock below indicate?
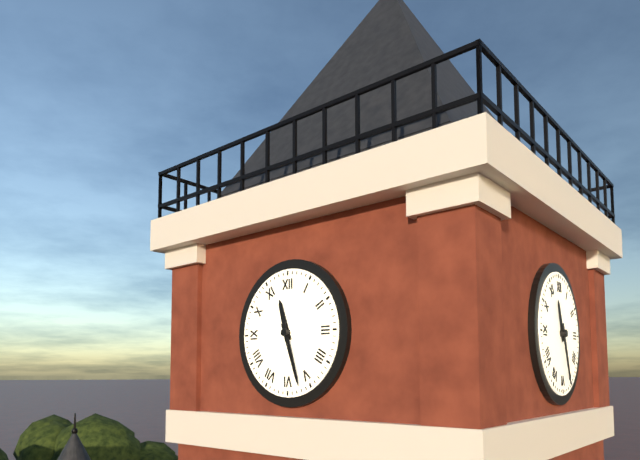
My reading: 11:27
